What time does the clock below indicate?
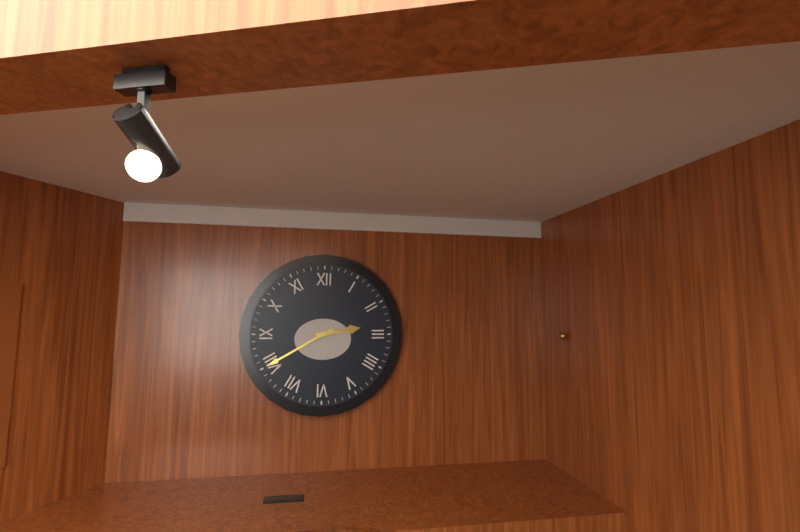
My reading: 2:40
